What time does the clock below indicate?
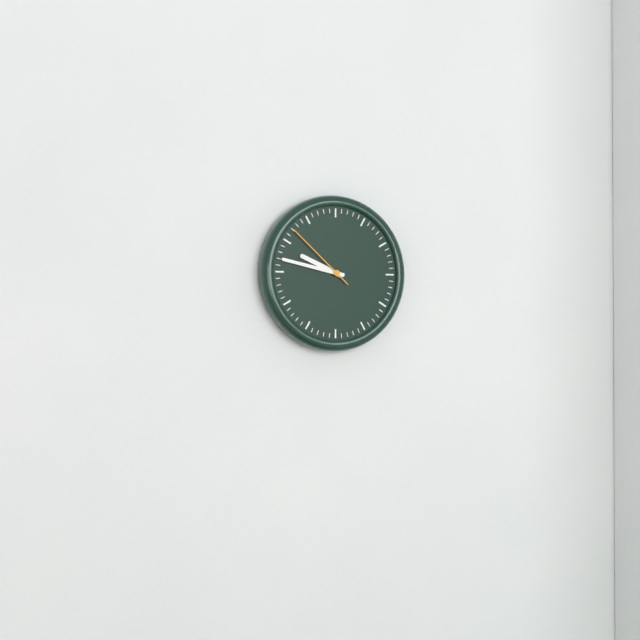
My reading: 9:47:52
